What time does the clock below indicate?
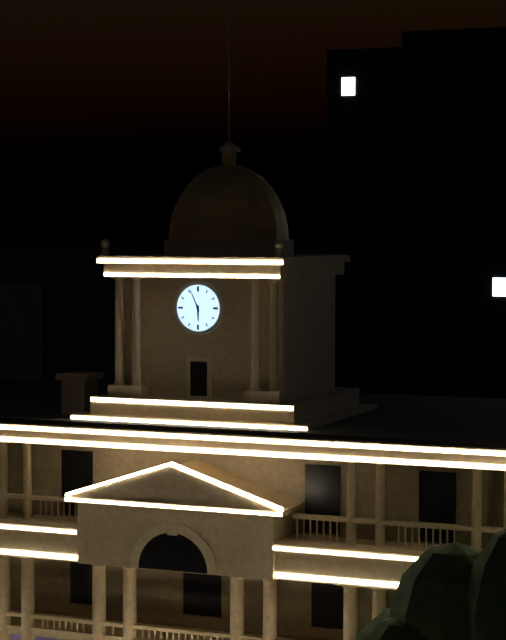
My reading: 5:56
